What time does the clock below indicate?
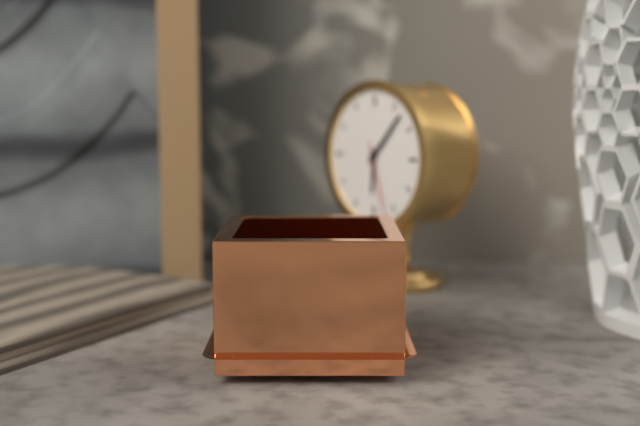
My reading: 6:07:27
